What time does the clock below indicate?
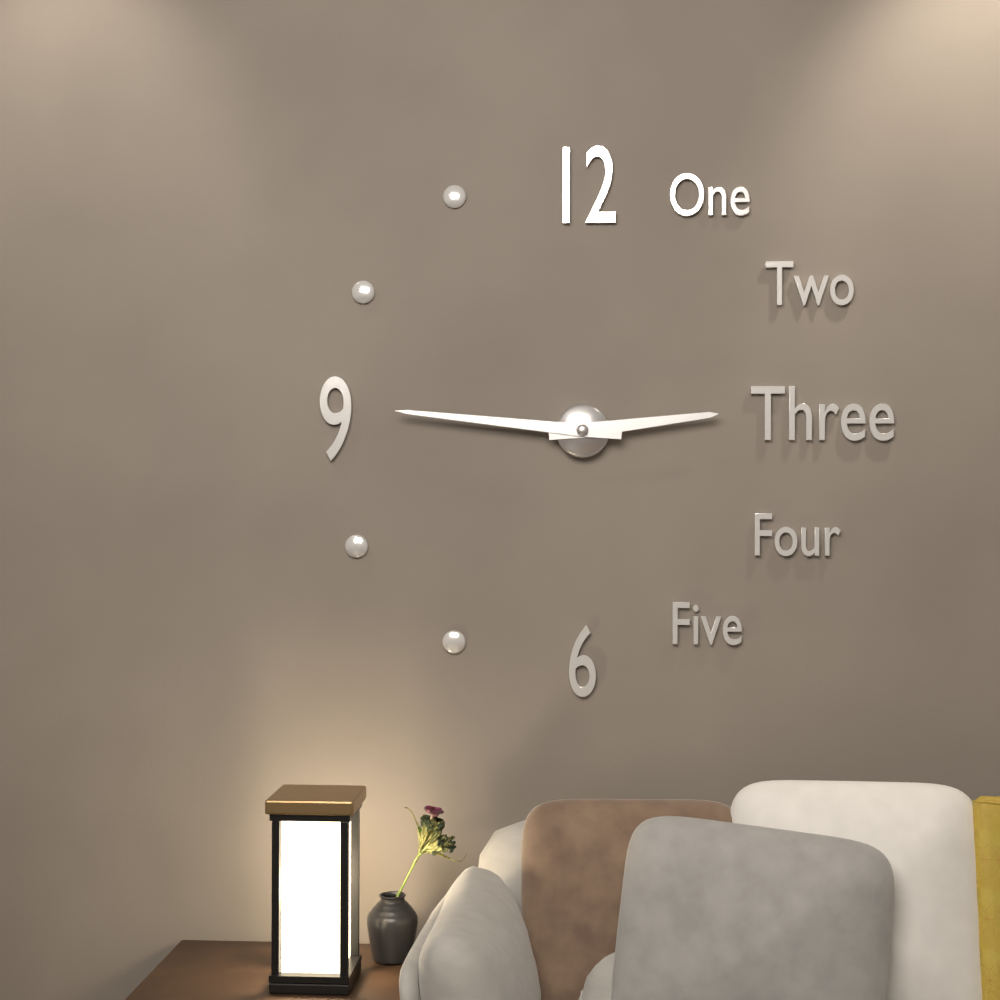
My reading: 2:46
